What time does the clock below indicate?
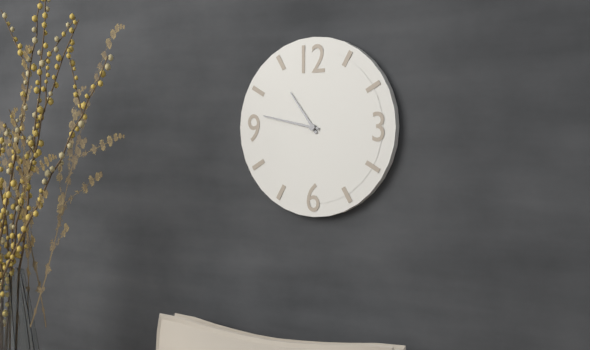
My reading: 10:47
